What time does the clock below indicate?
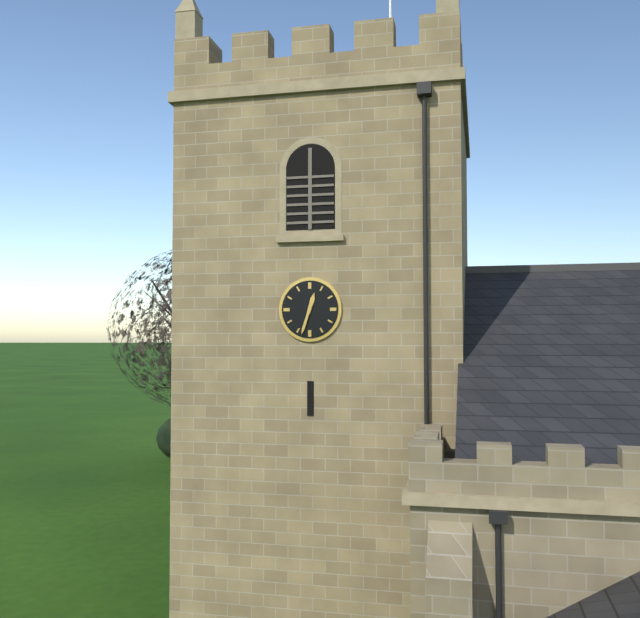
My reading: 12:33
